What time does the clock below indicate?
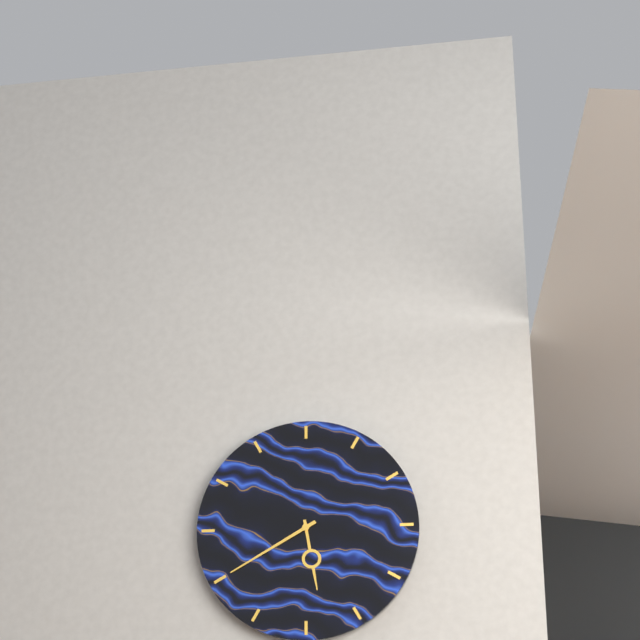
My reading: 5:40
